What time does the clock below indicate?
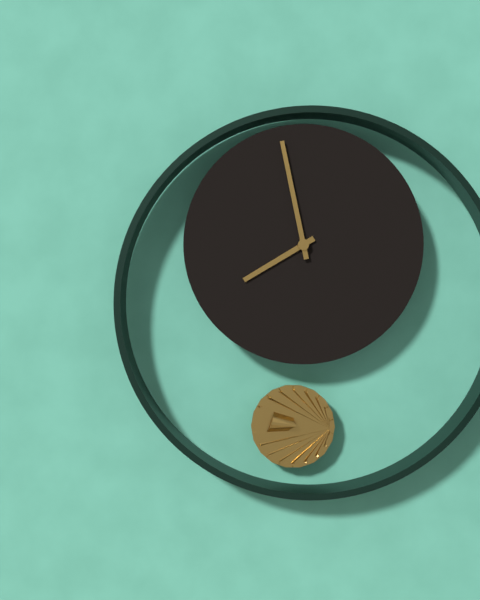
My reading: 7:58
